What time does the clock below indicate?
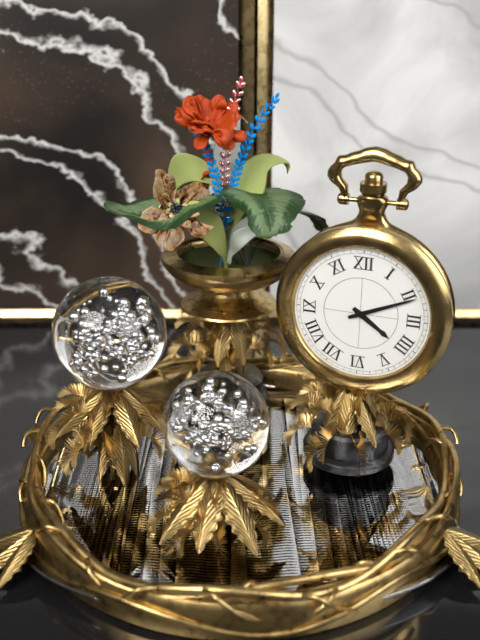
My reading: 4:11
